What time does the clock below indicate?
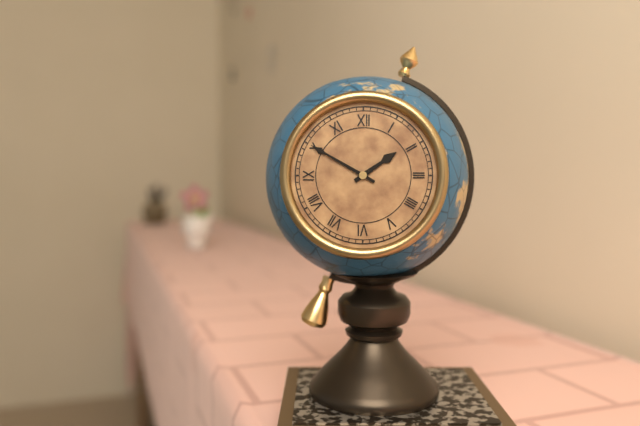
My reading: 1:50
